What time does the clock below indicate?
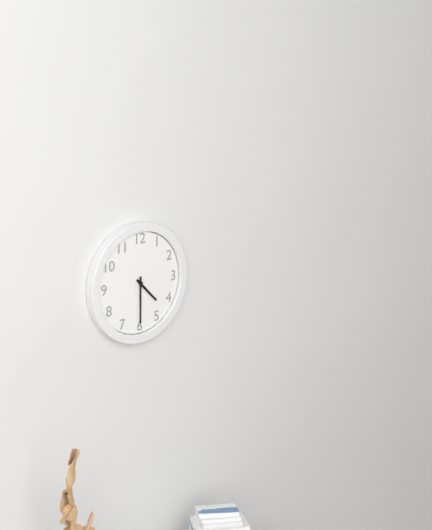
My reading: 4:30
